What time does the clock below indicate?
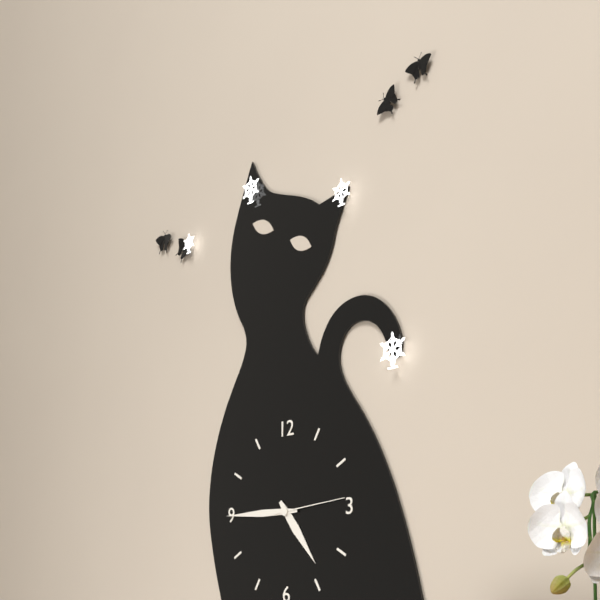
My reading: 4:45:14
